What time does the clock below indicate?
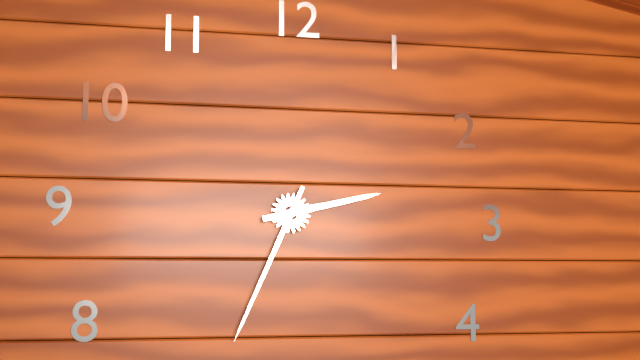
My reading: 2:34
